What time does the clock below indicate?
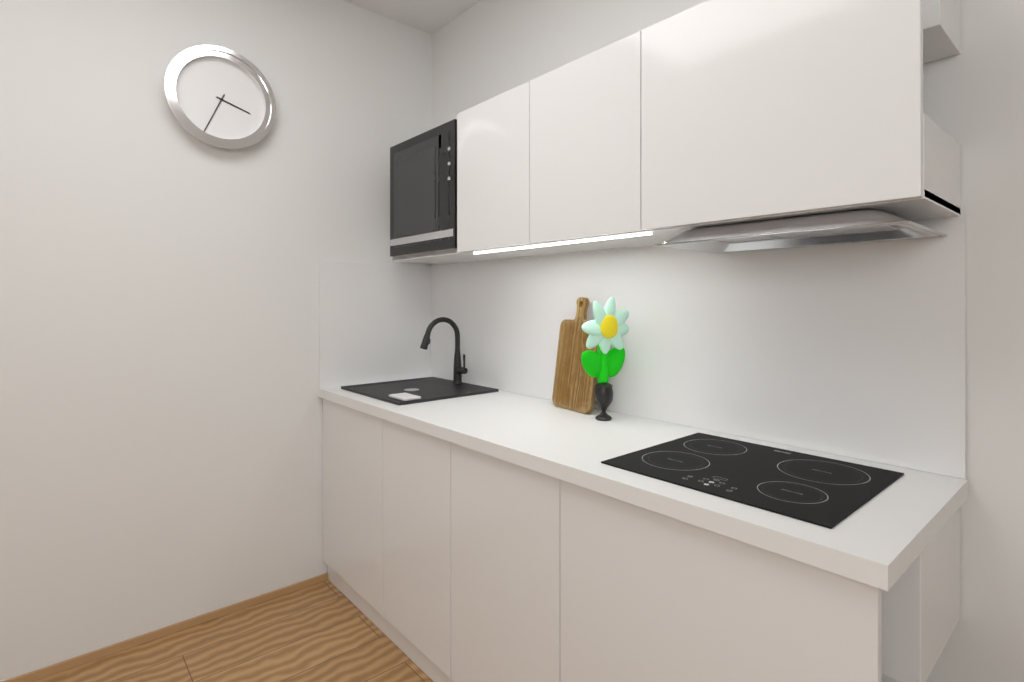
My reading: 3:34
